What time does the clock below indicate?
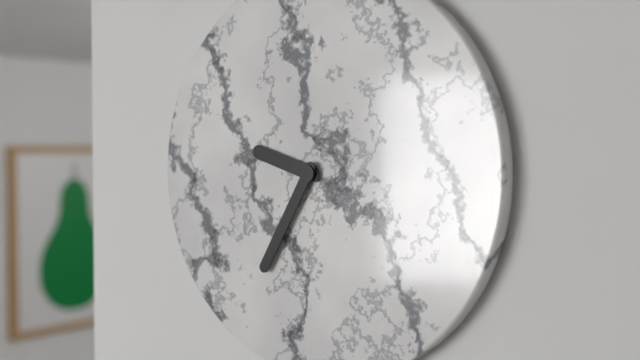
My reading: 9:35
